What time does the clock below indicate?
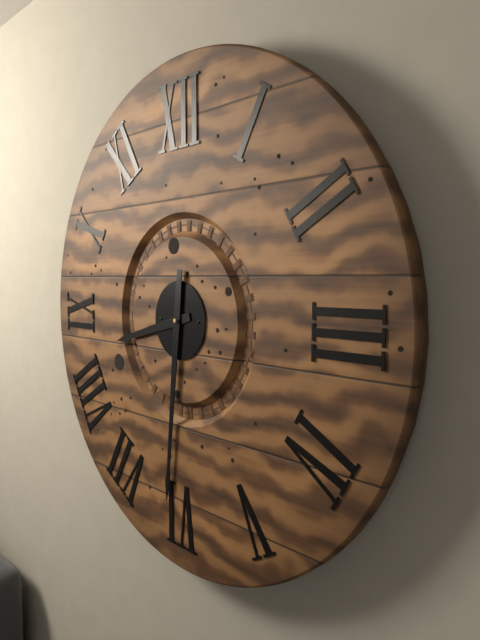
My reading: 8:31
